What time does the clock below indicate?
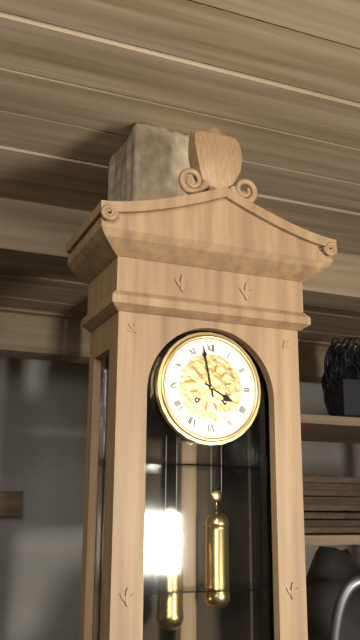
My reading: 3:58
